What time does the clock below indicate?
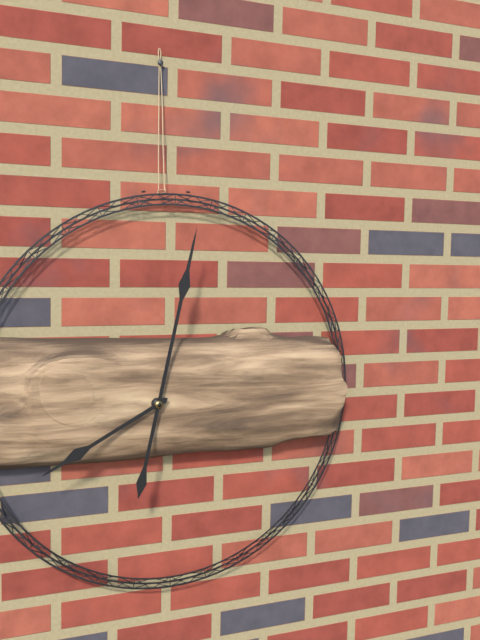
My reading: 8:02
